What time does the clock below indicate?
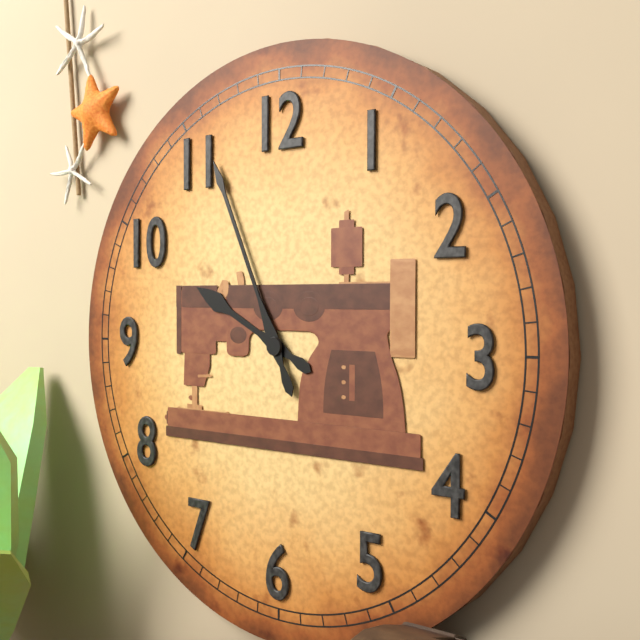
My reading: 9:56
